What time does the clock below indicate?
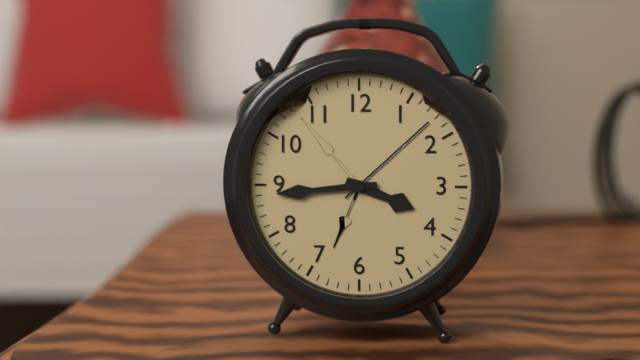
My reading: 3:44
